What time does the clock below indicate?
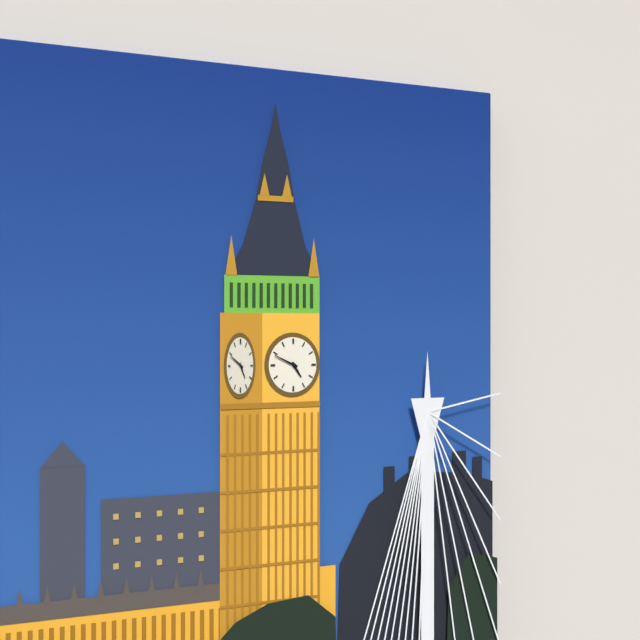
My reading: 4:49
